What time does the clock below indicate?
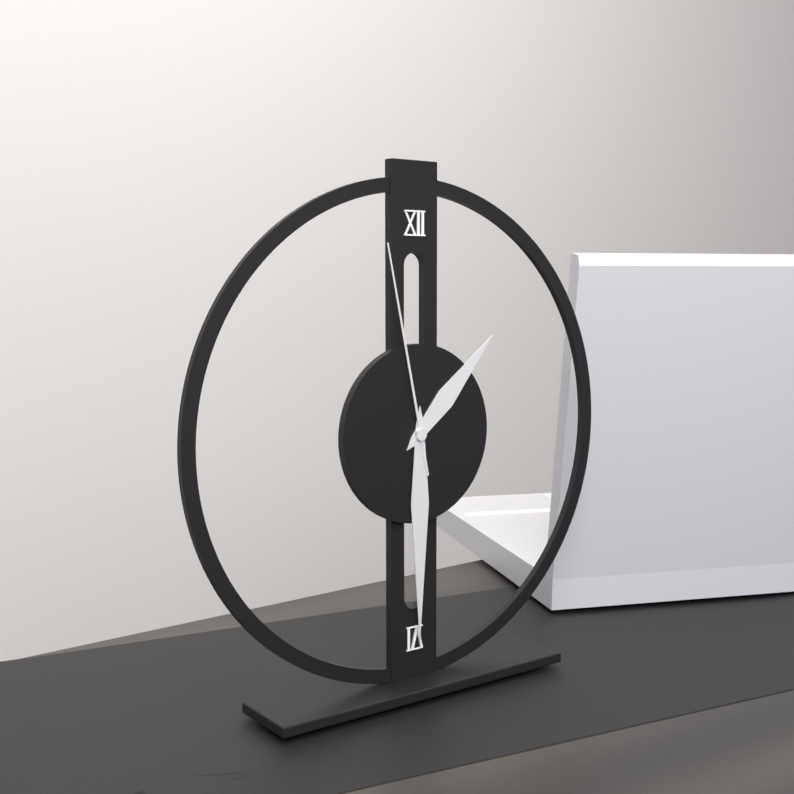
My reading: 1:30:58
